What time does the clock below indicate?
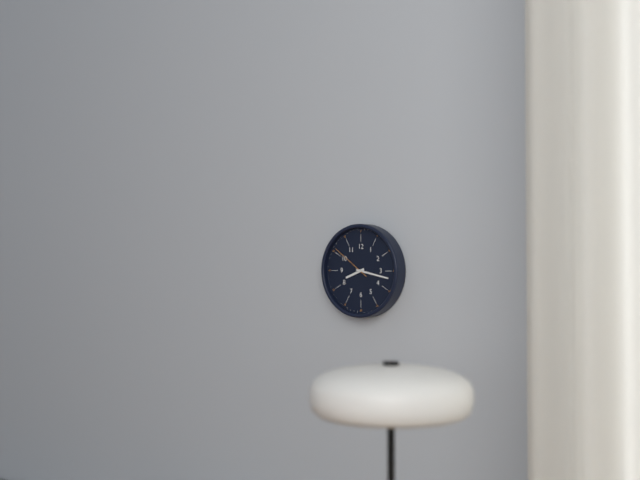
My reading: 8:17
